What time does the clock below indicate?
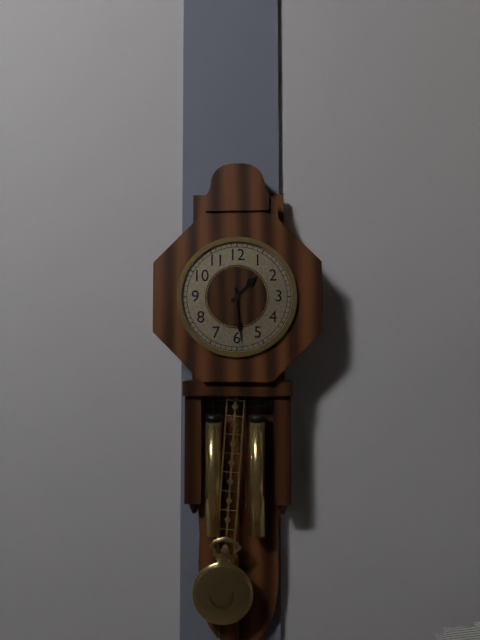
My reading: 1:29
